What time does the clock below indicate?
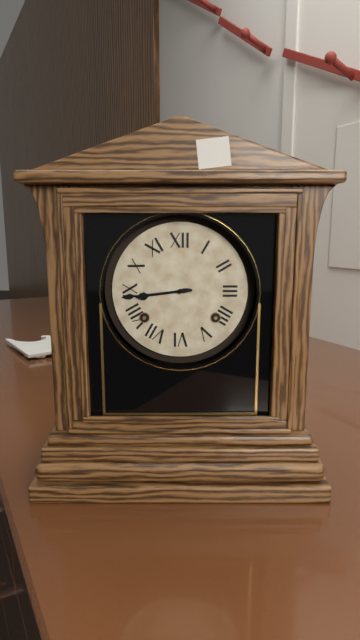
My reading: 8:44
